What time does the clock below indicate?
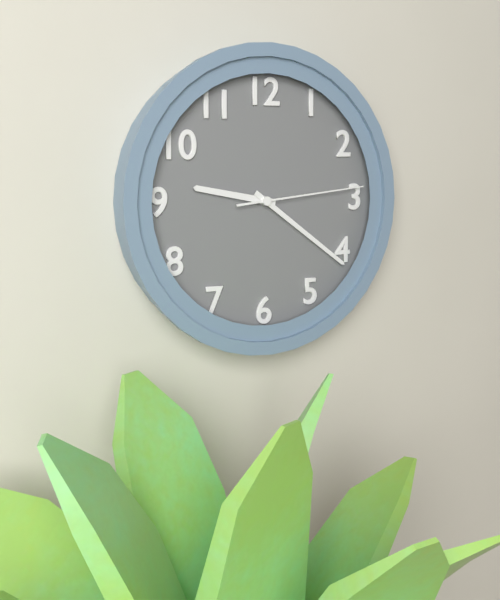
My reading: 9:21:14
